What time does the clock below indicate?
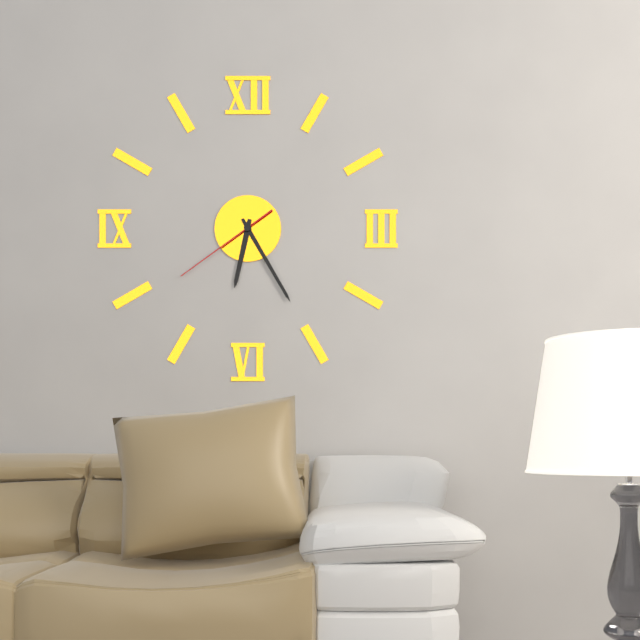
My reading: 6:25:39
